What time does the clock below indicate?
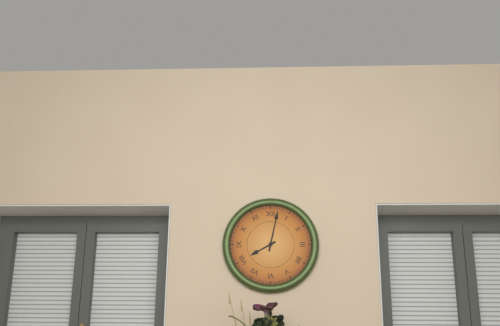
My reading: 8:02
